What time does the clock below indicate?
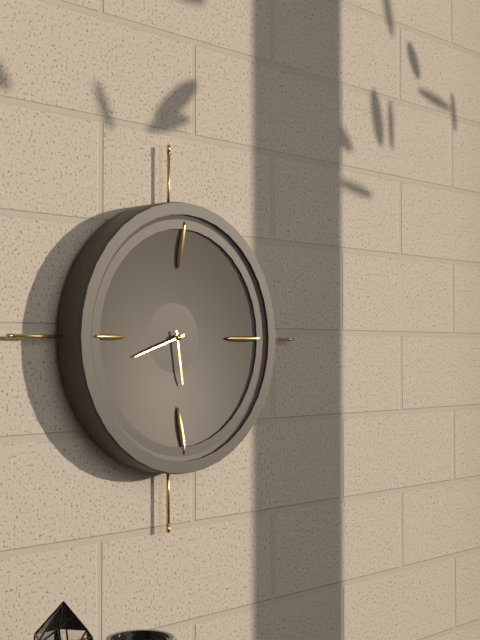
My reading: 5:42
